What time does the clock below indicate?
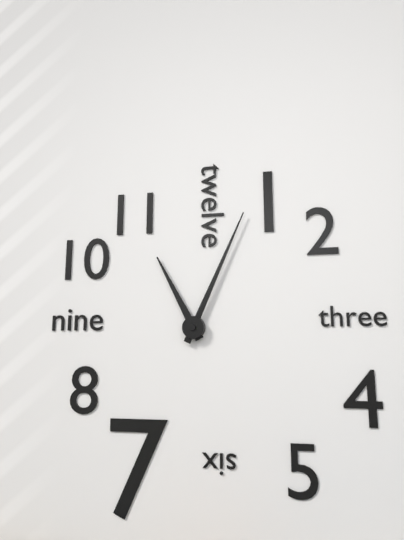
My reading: 11:04
